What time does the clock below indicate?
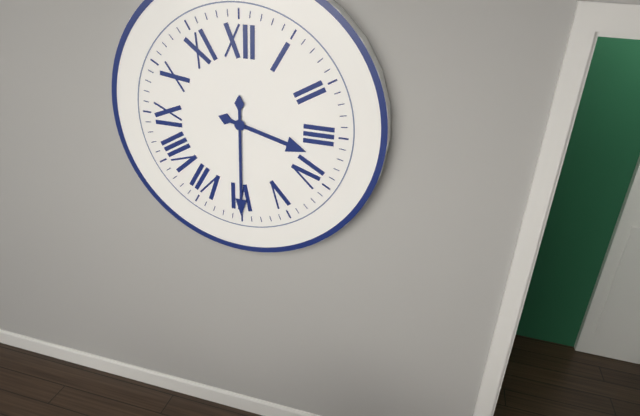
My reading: 3:30
